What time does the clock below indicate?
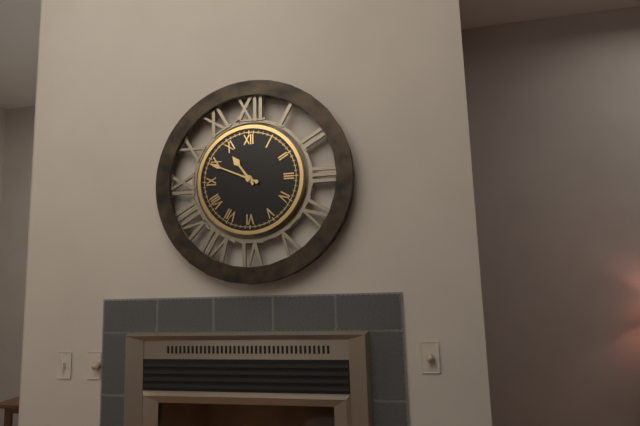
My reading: 10:49
